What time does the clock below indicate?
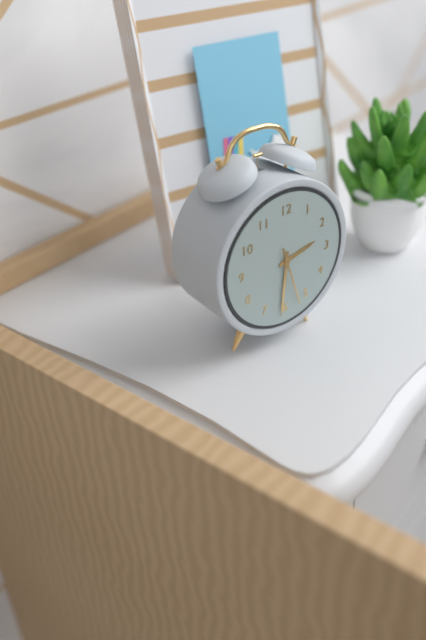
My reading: 2:31:27
